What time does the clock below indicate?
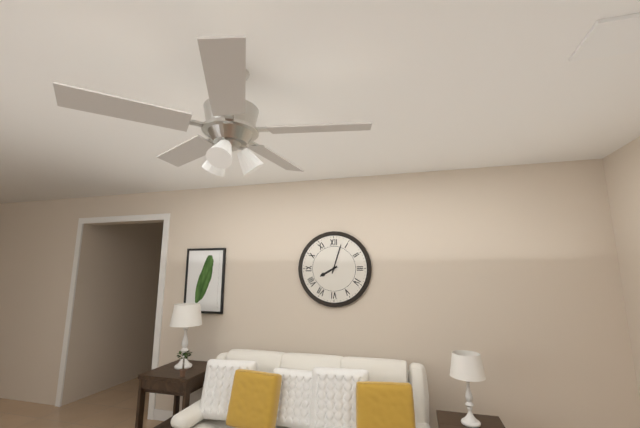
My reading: 8:03
